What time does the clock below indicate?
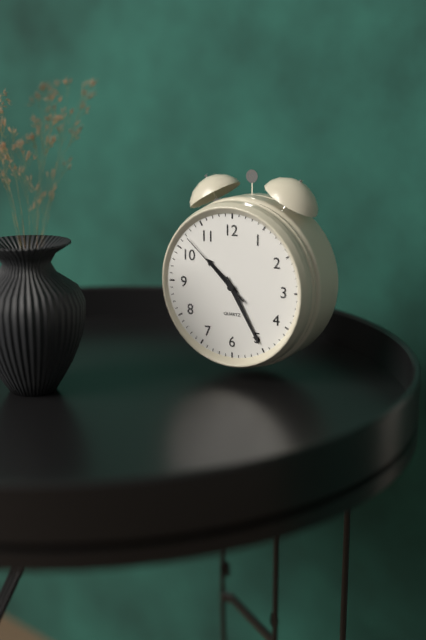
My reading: 10:25:52
